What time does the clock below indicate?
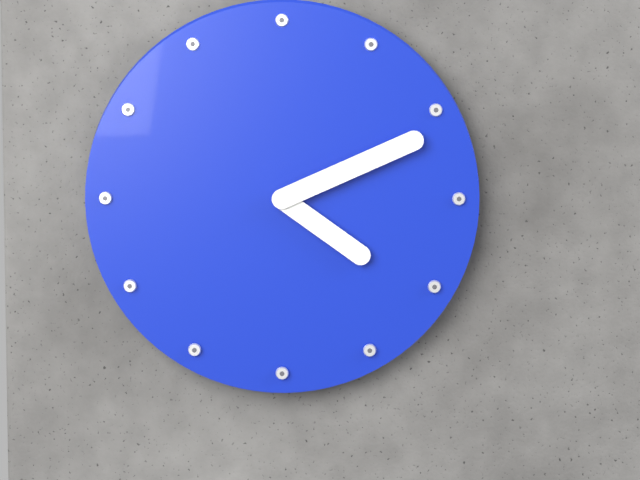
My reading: 4:11
